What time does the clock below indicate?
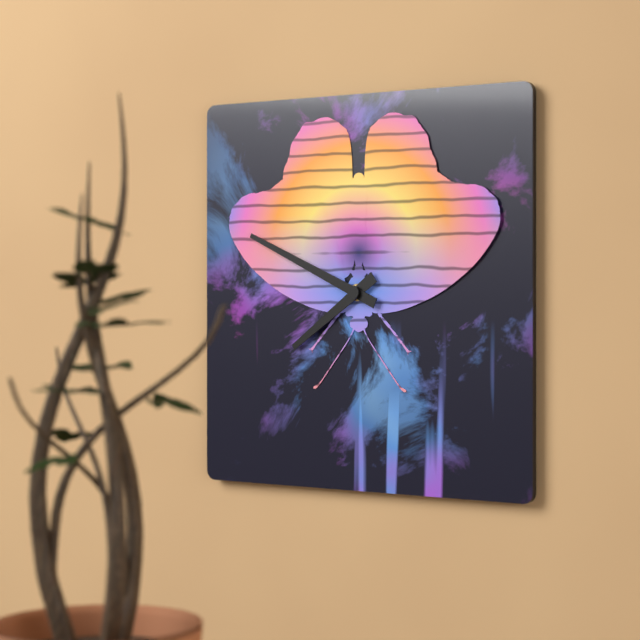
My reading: 7:49
